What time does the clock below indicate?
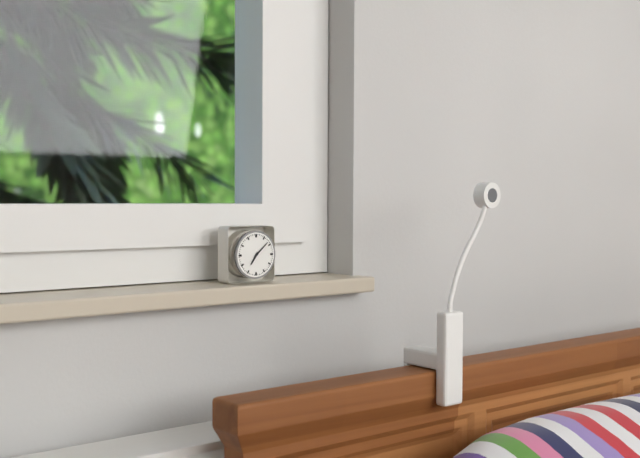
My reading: 7:08
